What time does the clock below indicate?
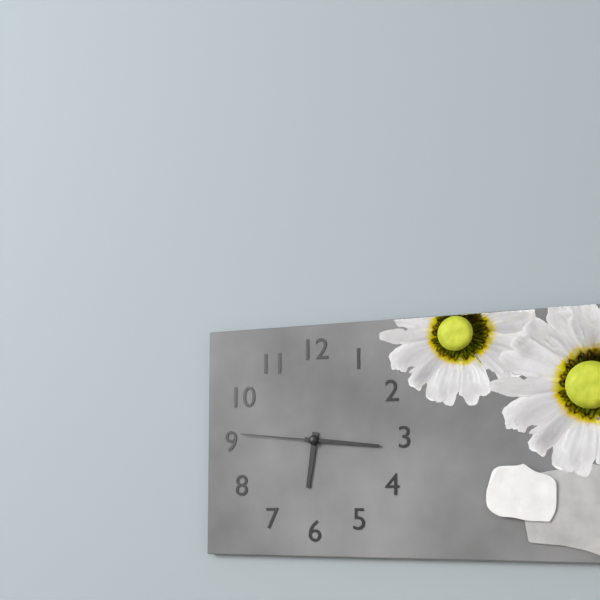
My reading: 6:16:46
